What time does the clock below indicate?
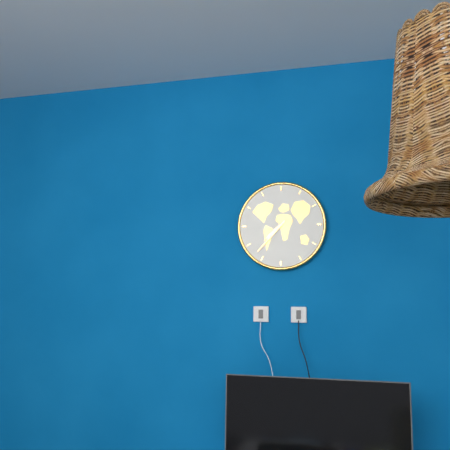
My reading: 7:37
